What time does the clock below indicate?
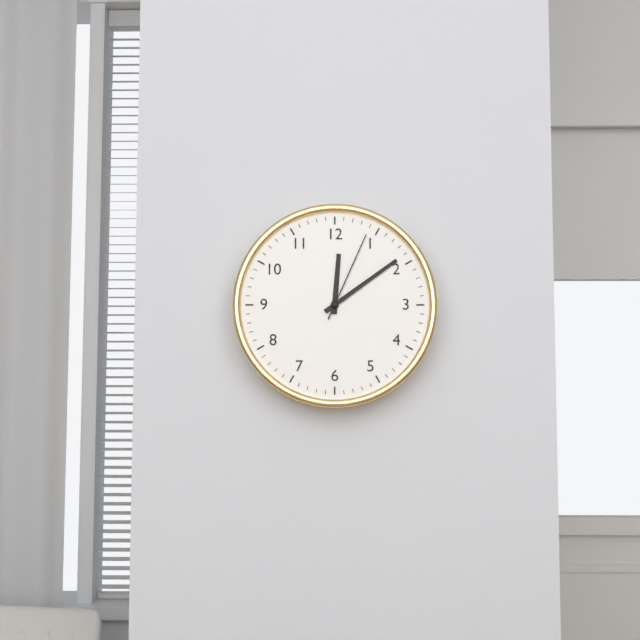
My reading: 12:09:04
